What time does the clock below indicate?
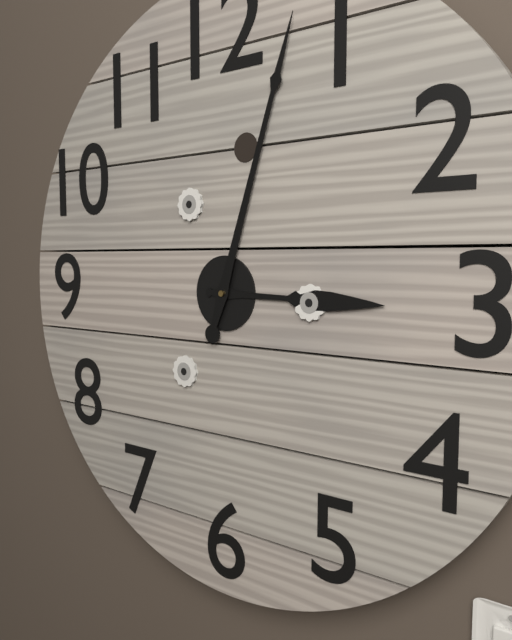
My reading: 3:03
